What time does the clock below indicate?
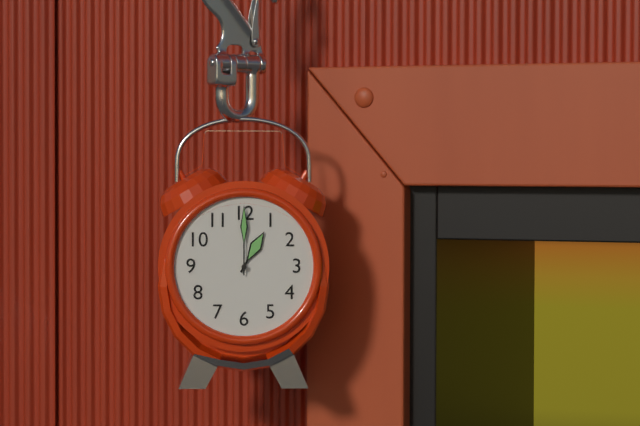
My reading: 1:00
